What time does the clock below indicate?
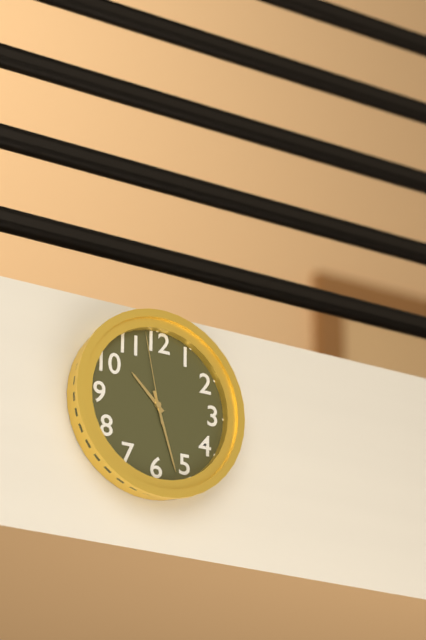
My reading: 10:27:58
